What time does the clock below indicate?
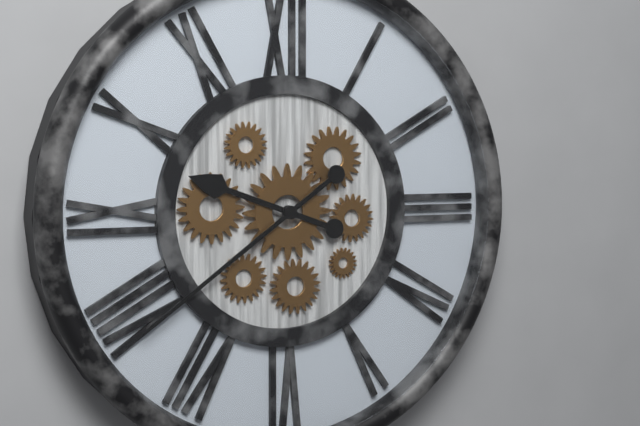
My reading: 9:39
